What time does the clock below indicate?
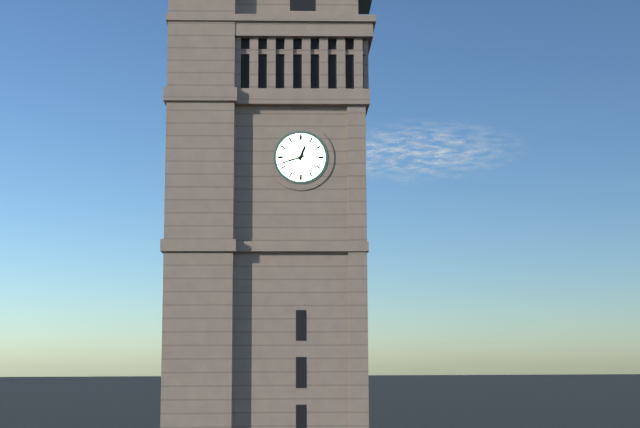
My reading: 12:42
